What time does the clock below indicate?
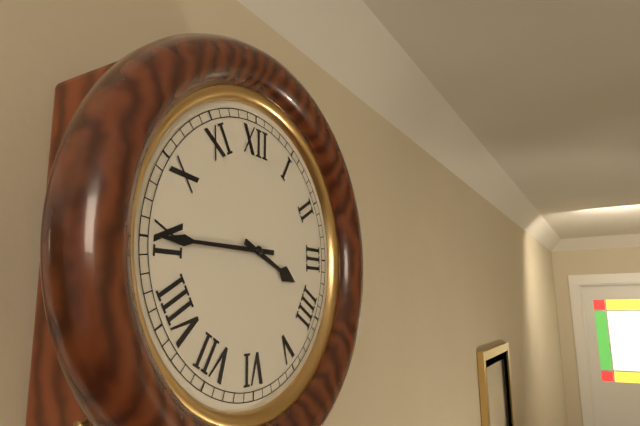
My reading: 3:45
